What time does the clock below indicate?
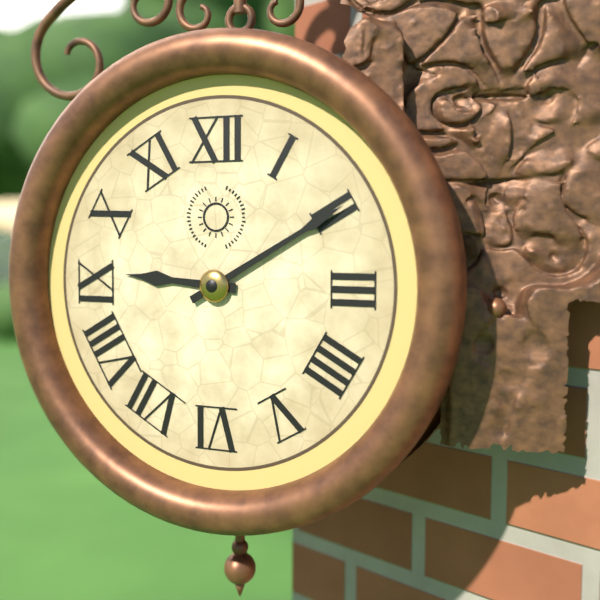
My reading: 9:10
